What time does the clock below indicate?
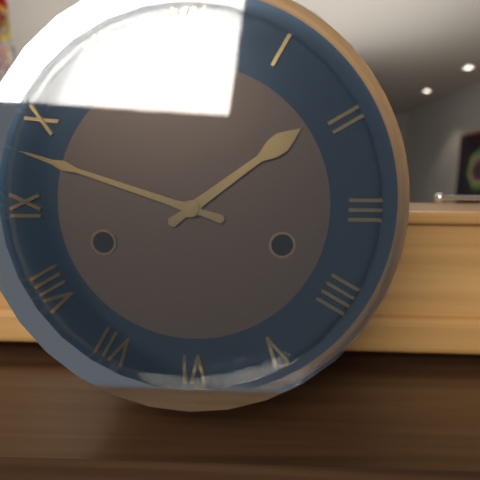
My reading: 1:48
